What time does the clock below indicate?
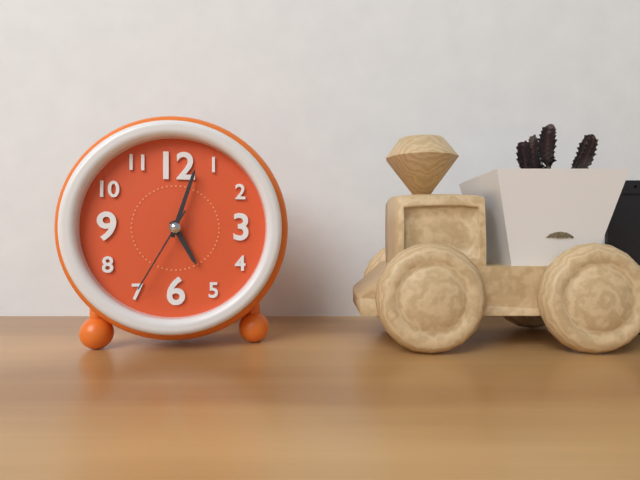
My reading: 5:03:35
